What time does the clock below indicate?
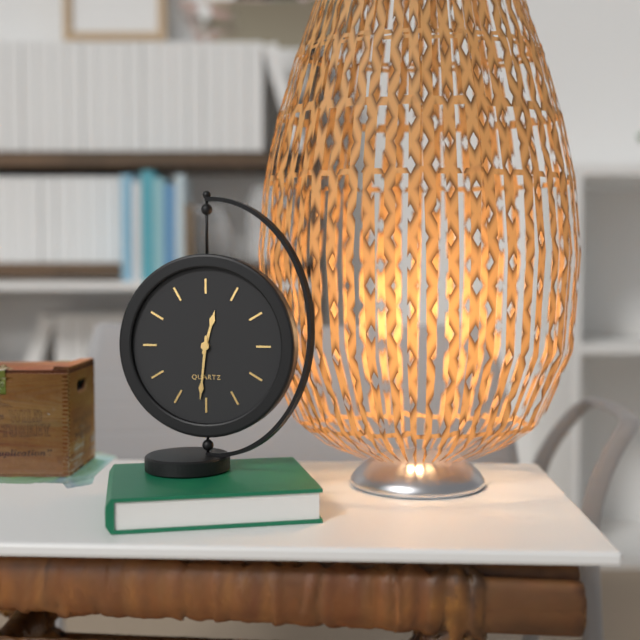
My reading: 12:31
